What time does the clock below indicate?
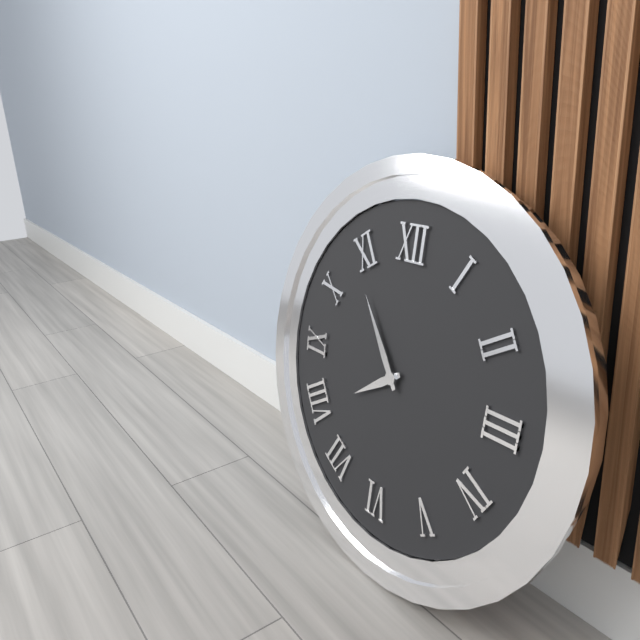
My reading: 7:54
